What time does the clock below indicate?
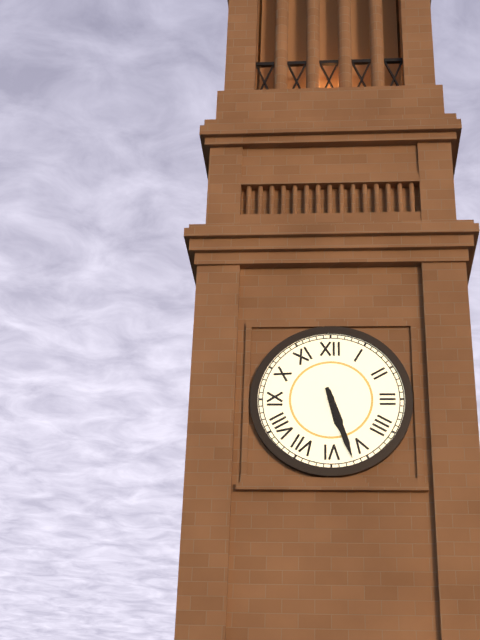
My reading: 5:27
